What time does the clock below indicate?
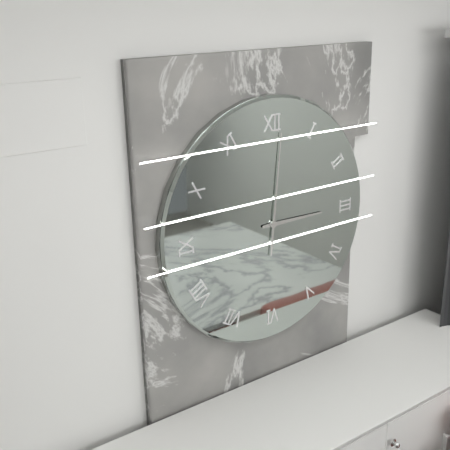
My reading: 3:01
